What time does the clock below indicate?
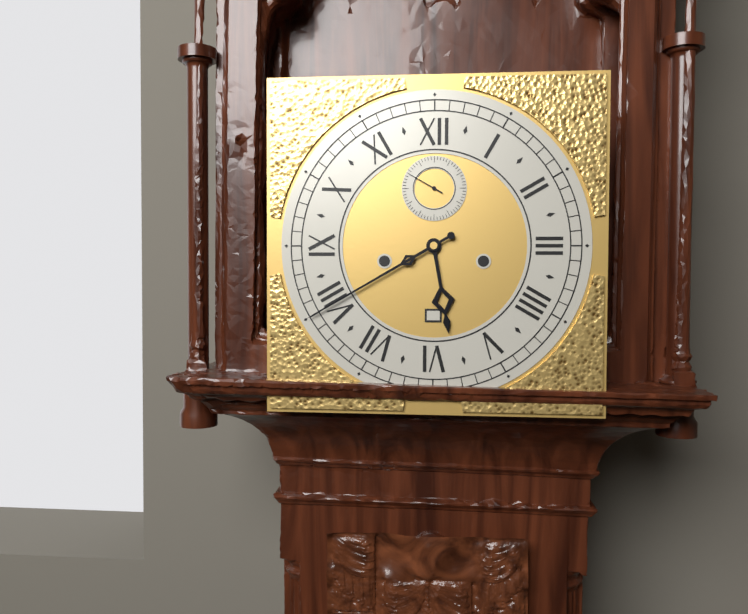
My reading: 5:40
